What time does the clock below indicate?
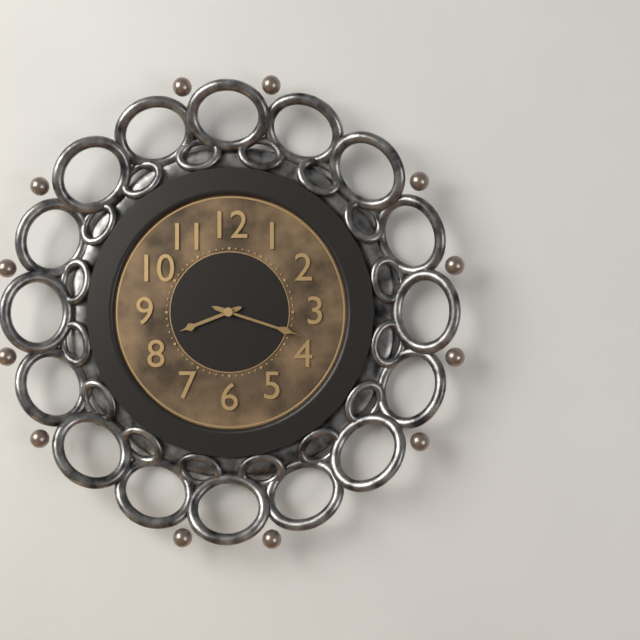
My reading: 8:18
